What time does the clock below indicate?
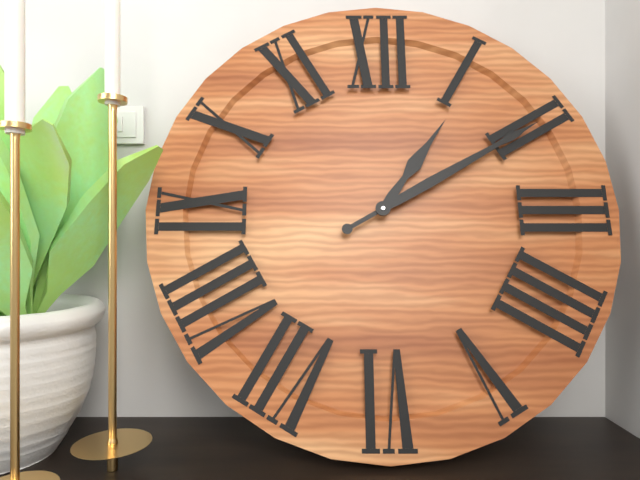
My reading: 1:10
